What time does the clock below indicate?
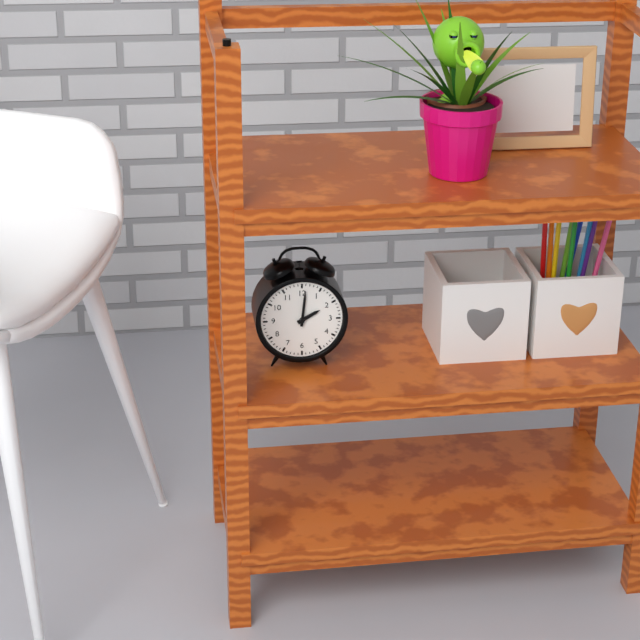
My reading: 2:01
